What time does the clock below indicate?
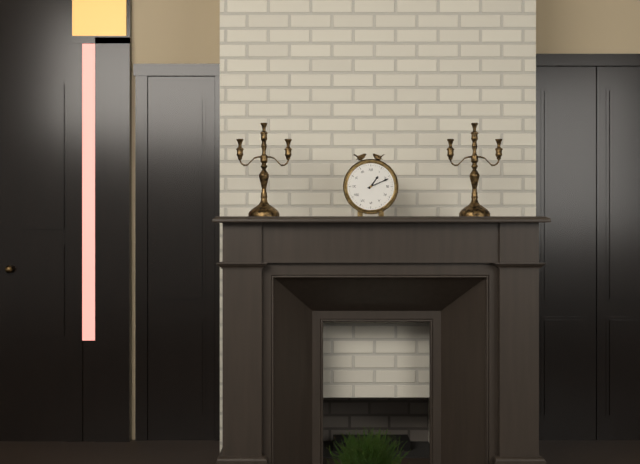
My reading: 1:11
